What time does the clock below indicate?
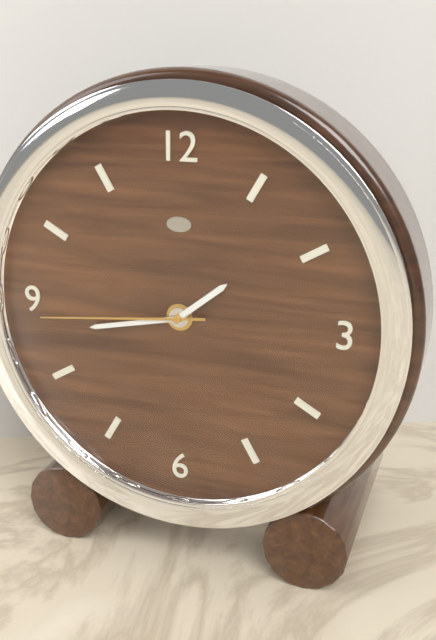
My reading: 1:43:44
